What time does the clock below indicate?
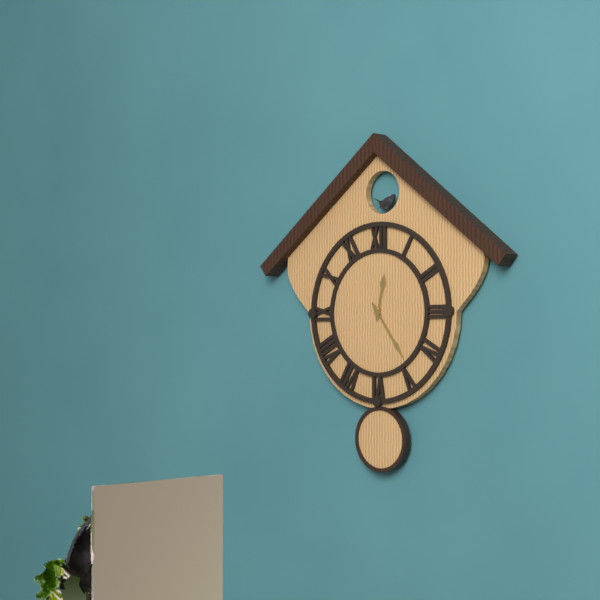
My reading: 12:24
